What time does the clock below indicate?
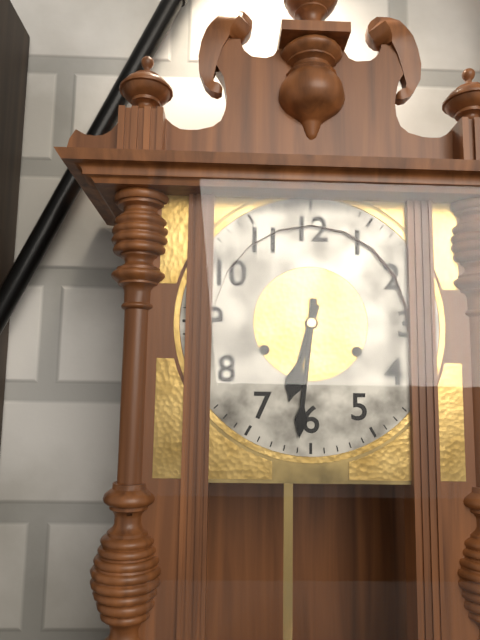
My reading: 6:31
